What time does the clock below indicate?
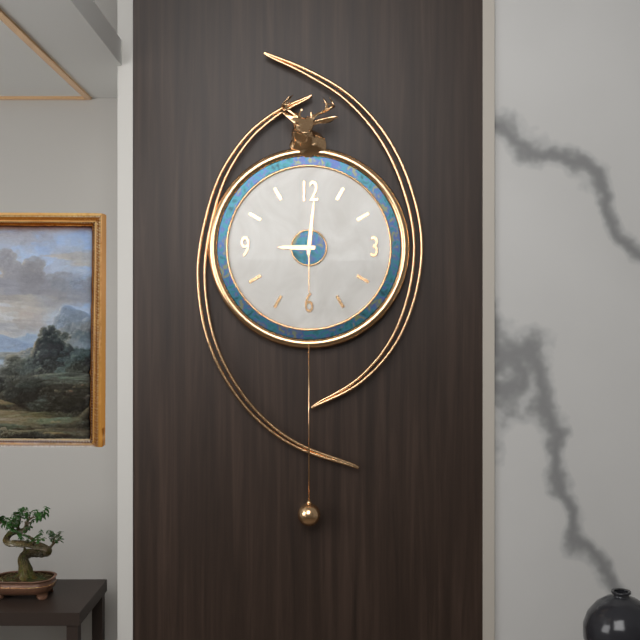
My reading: 9:01:30
